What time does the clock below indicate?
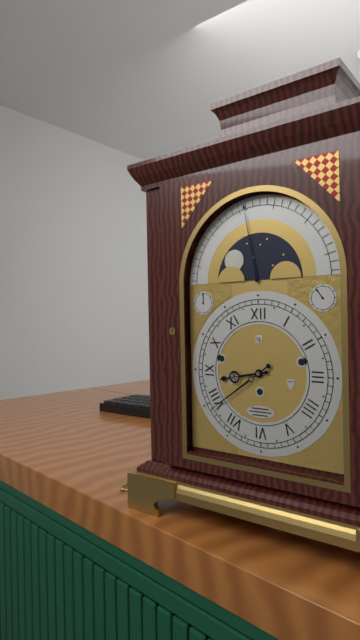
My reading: 8:39
